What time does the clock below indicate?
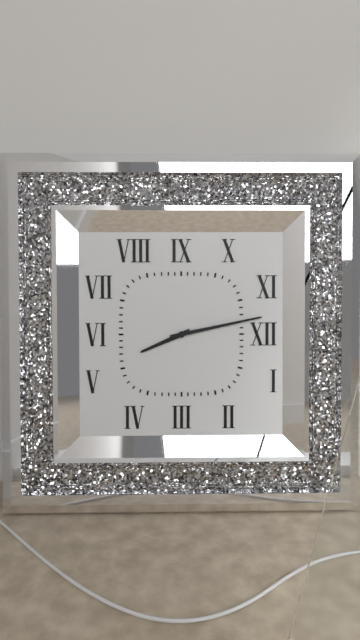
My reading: 8:13
